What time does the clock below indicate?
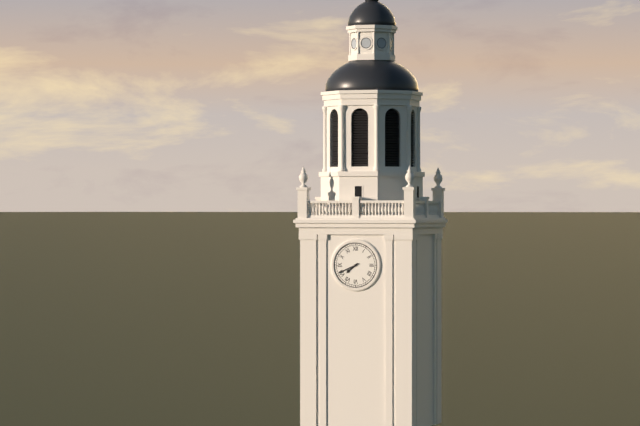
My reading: 7:41
